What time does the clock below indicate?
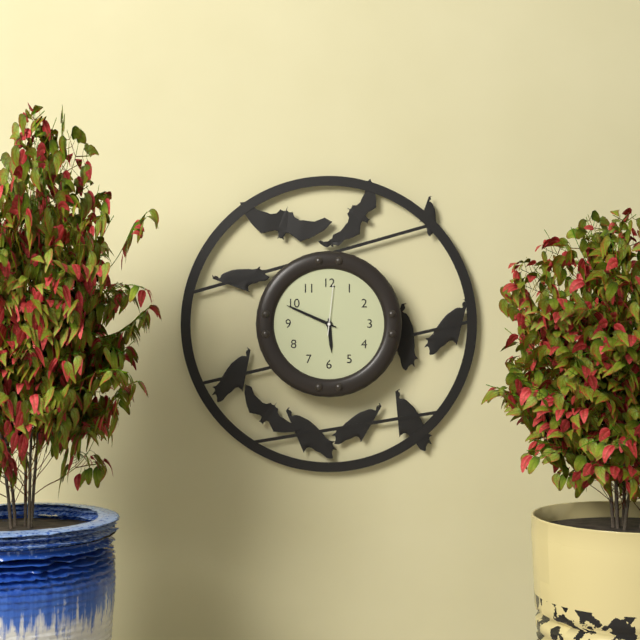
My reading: 5:49:01
